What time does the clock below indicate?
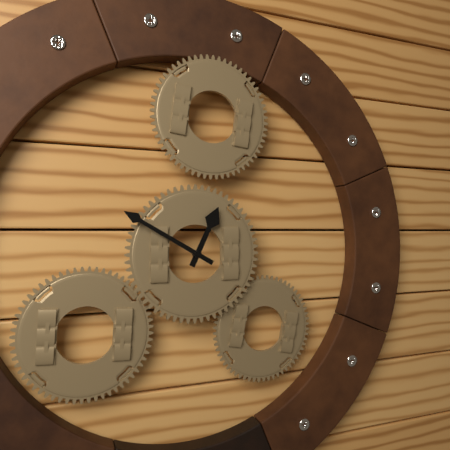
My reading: 12:50
